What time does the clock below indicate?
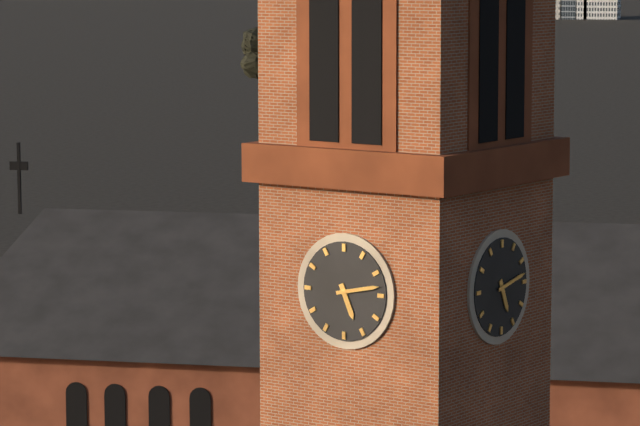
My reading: 5:13
